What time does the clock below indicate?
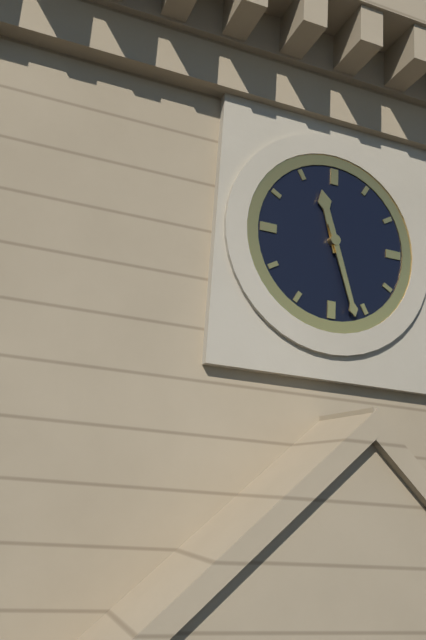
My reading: 11:27
